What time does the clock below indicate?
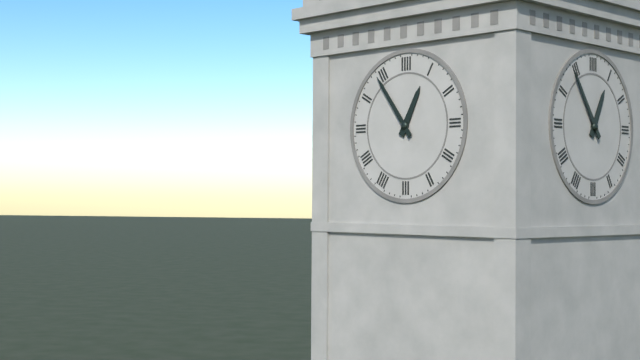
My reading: 12:54
